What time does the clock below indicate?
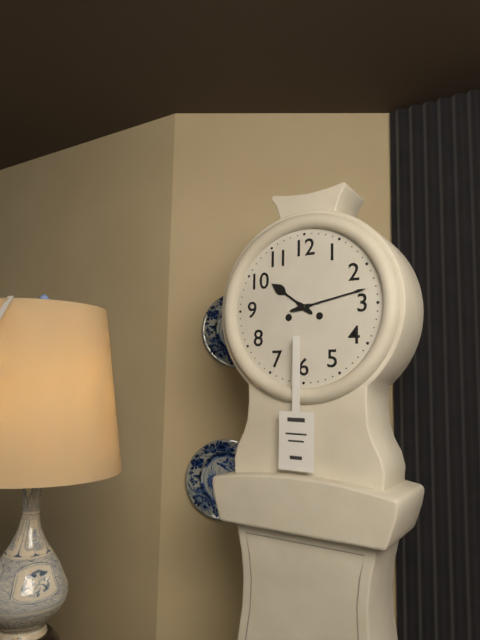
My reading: 10:13
